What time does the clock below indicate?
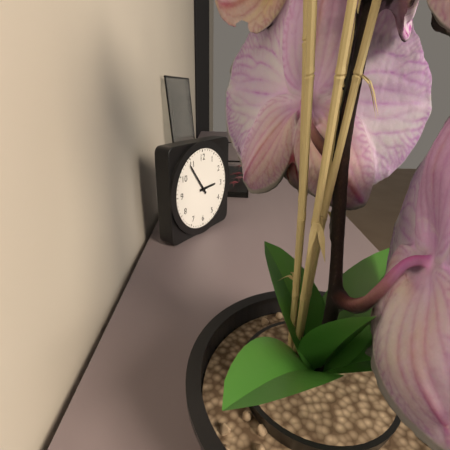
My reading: 2:54
